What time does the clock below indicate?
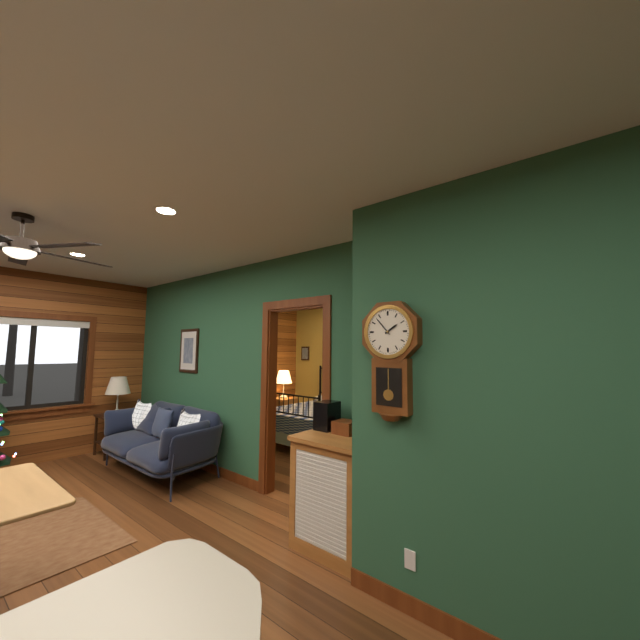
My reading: 1:53
